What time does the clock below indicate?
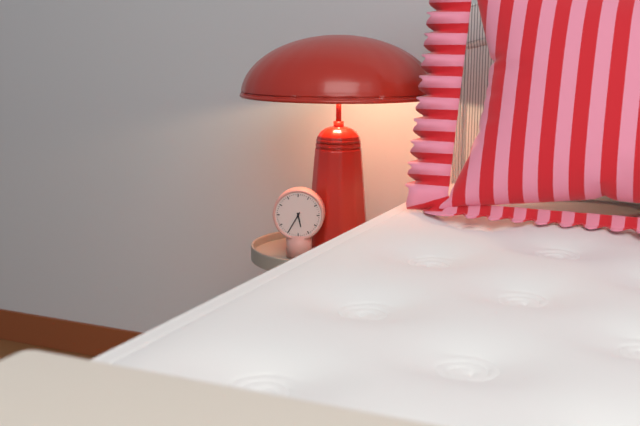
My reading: 5:35
